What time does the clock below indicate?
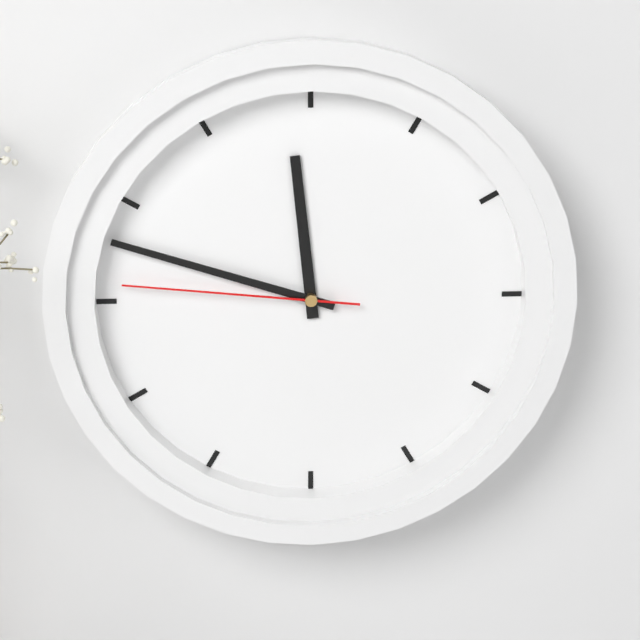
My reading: 11:48:46
